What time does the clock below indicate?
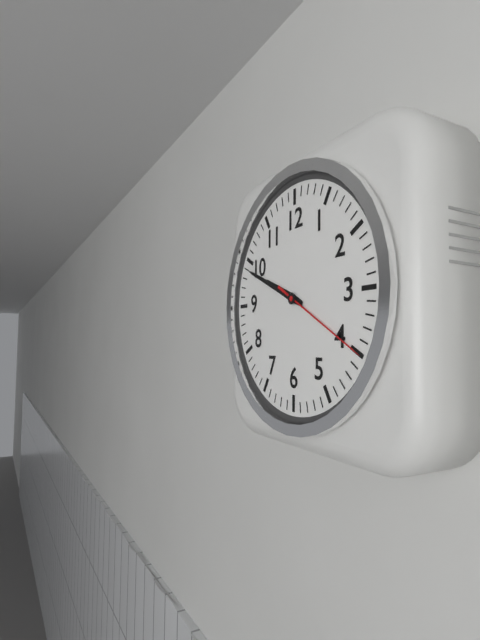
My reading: 9:49:20
